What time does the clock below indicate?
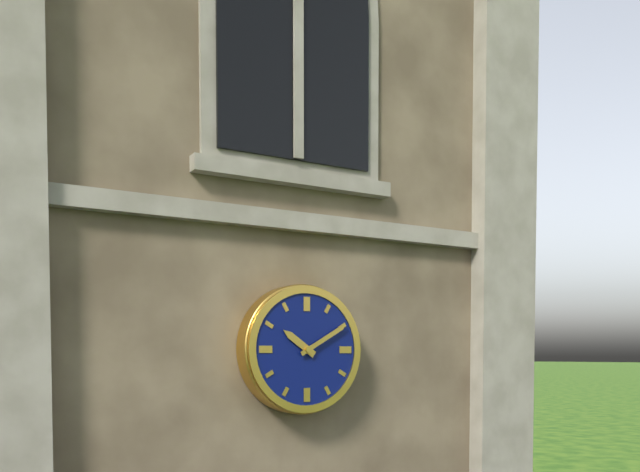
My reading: 10:10
